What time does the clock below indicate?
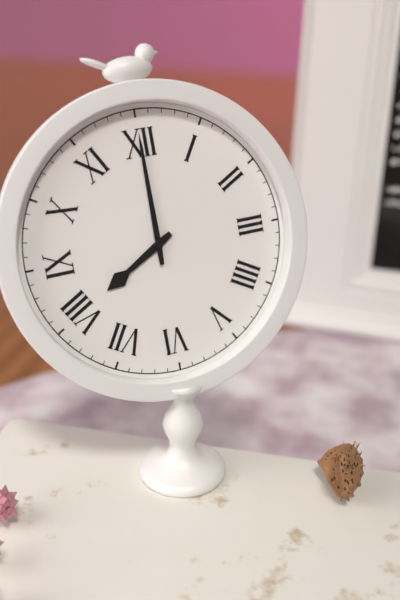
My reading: 8:00
